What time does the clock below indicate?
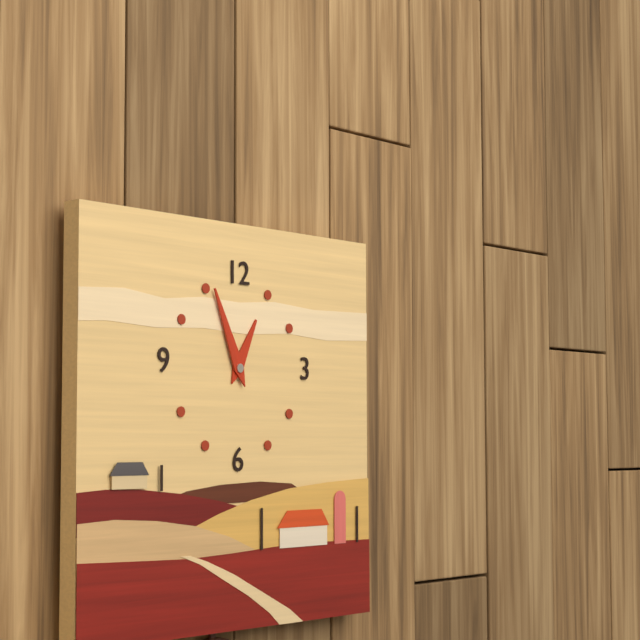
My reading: 12:56
